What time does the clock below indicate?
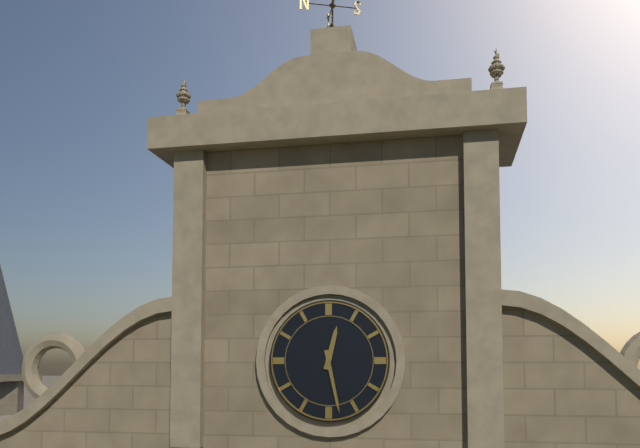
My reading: 12:28
